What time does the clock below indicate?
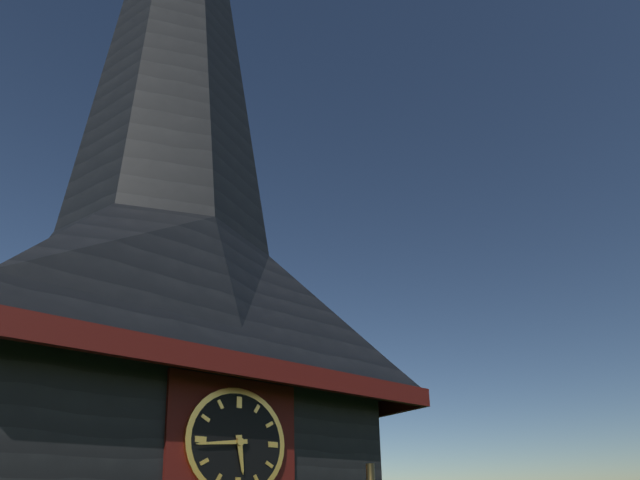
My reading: 5:44
